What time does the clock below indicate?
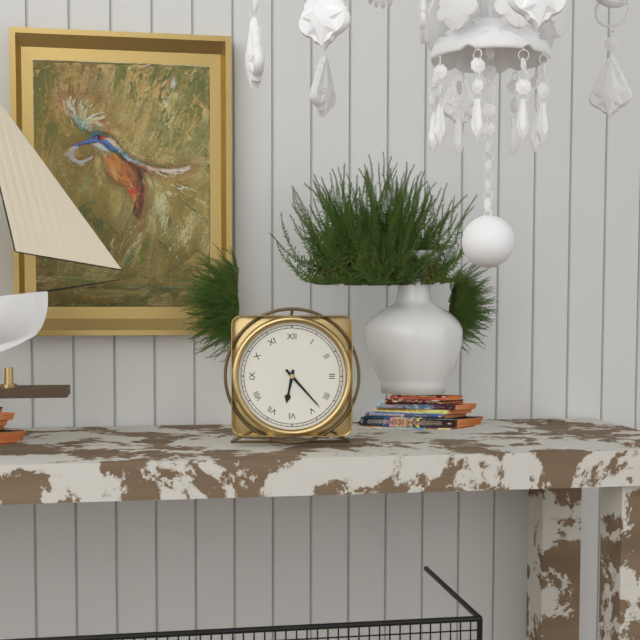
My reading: 6:23
